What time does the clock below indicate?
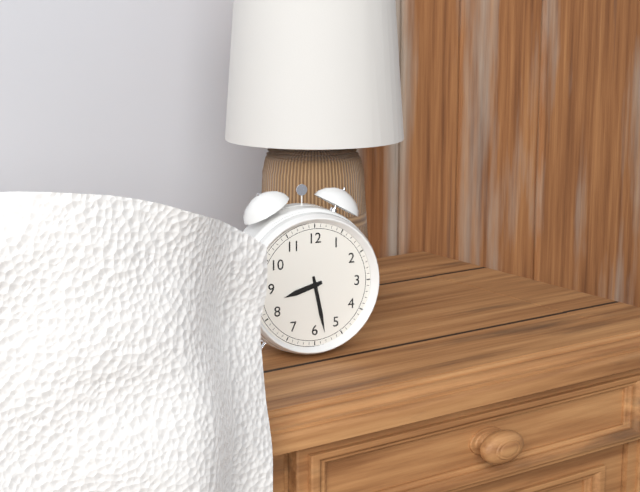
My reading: 8:28
